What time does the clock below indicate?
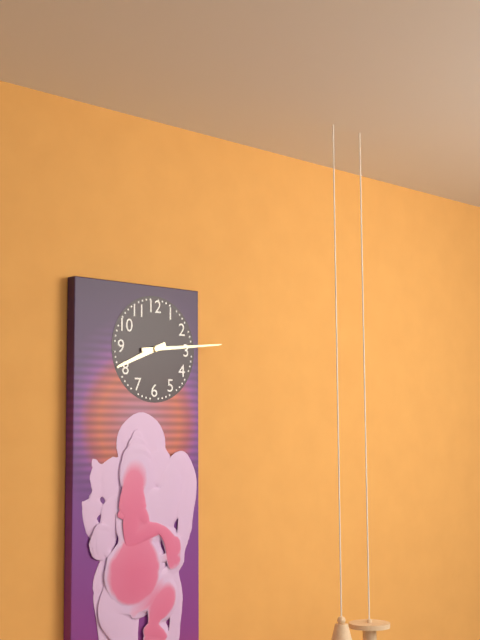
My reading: 8:14
